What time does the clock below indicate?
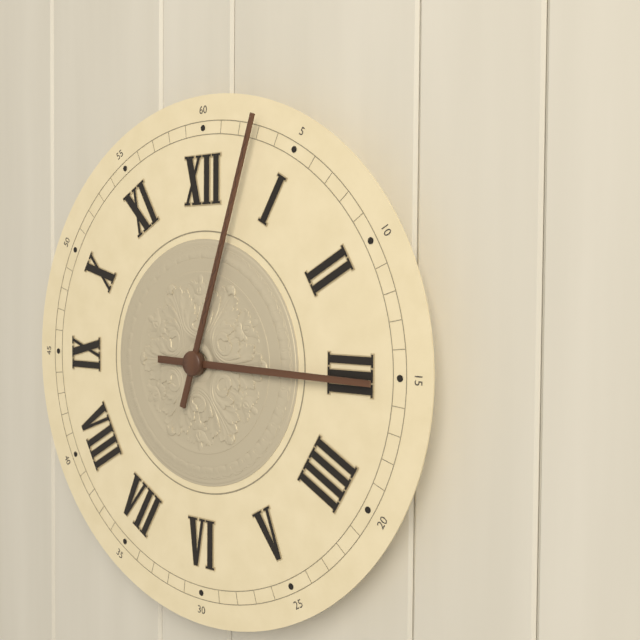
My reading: 3:03
